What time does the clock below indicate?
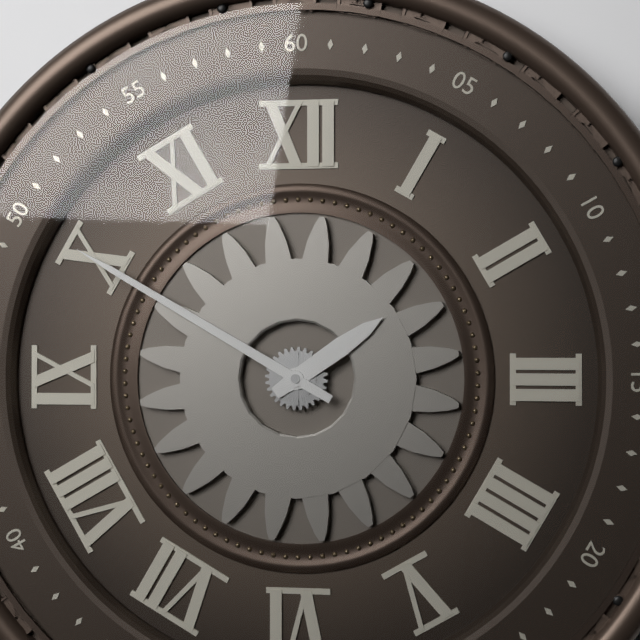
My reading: 1:50
